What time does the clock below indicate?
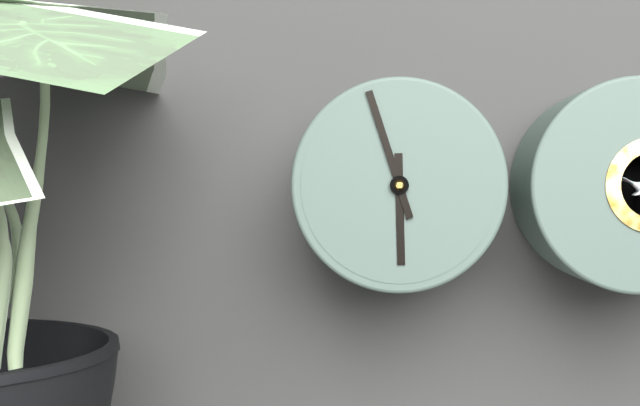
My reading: 5:57
